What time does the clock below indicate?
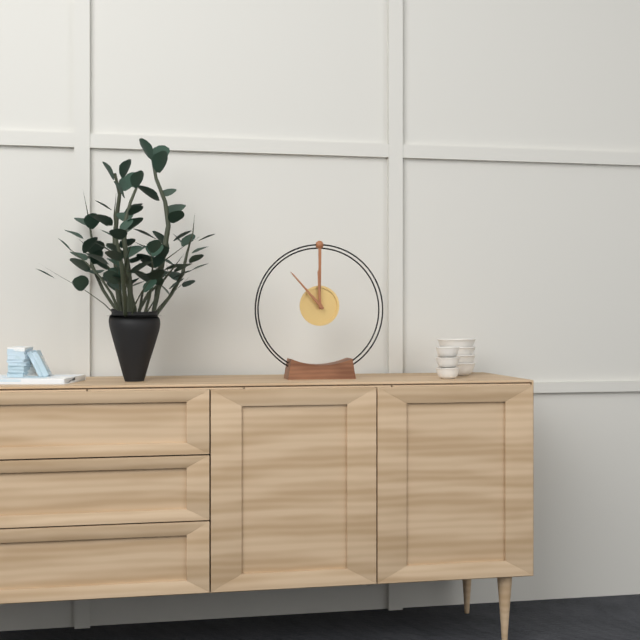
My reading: 11:53
